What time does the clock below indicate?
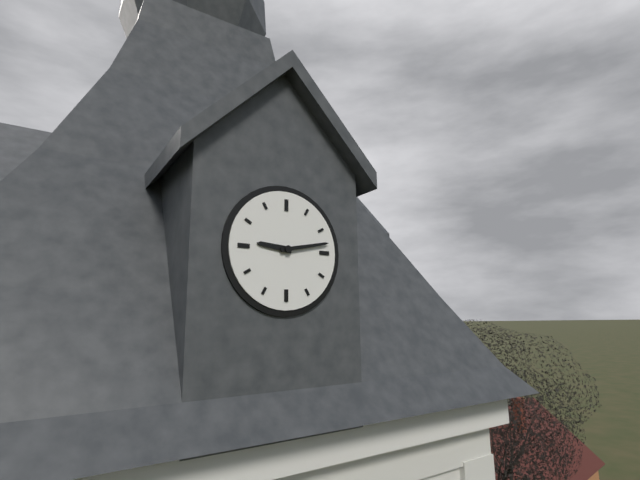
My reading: 9:13
